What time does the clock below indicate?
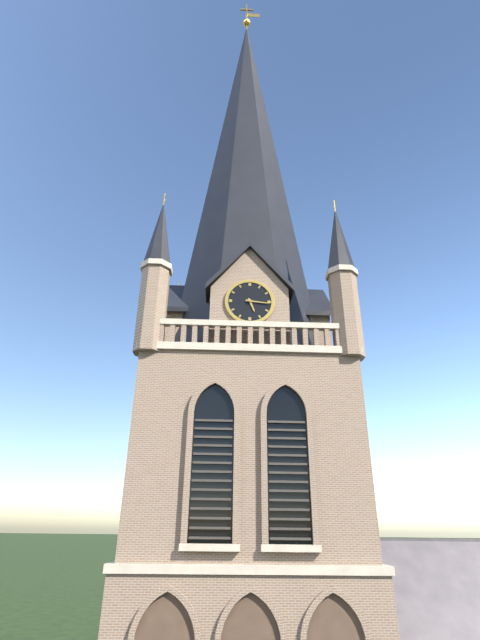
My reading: 5:16
